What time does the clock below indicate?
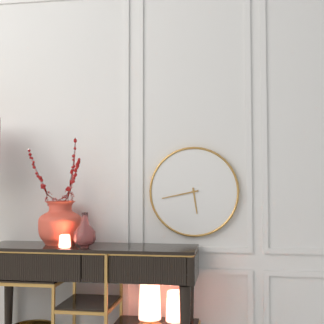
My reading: 5:43
